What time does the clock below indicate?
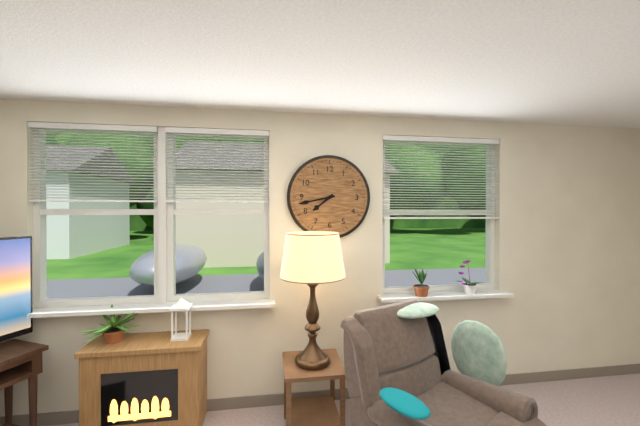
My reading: 7:43
